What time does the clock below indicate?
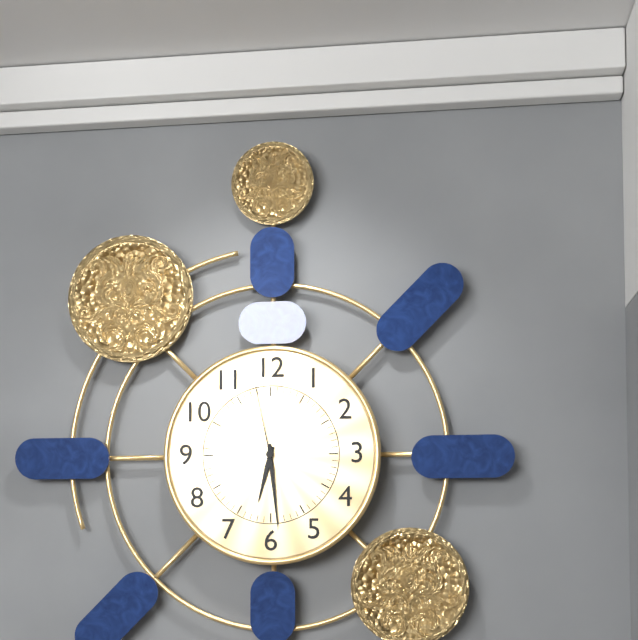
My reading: 6:29:58
